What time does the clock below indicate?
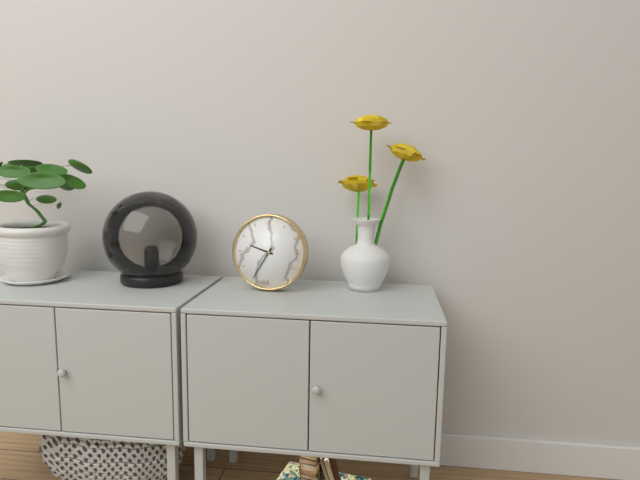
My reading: 9:35
